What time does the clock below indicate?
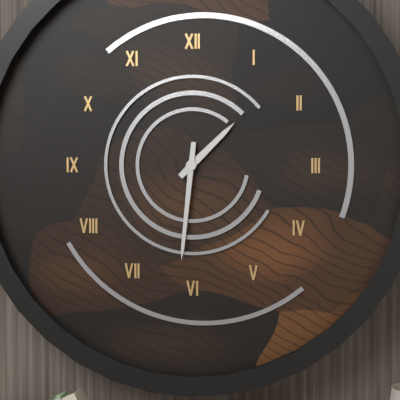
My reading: 1:31
